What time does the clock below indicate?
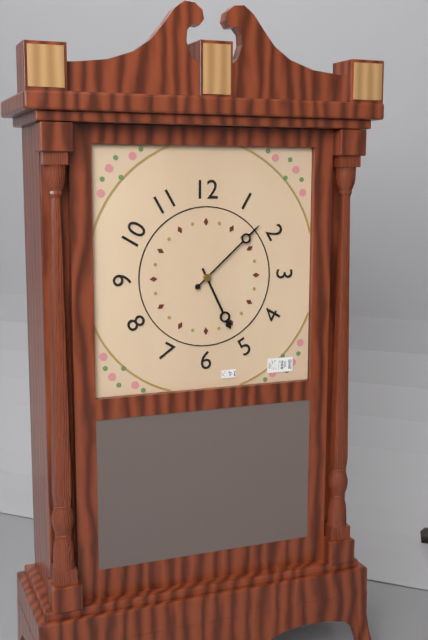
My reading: 5:08
